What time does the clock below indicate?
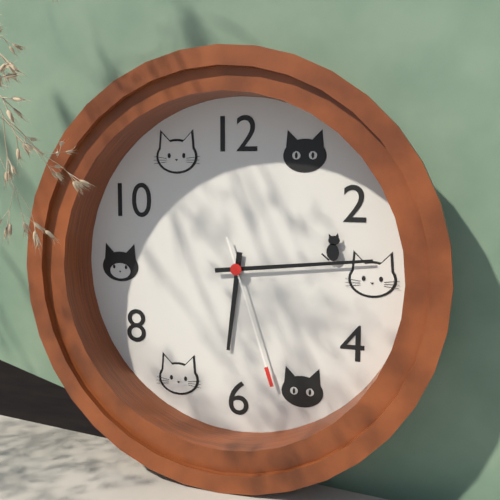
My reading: 6:14:27
